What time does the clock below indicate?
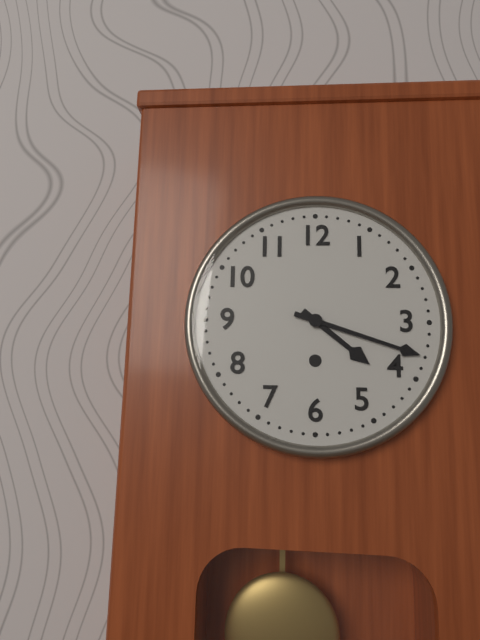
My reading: 4:18
